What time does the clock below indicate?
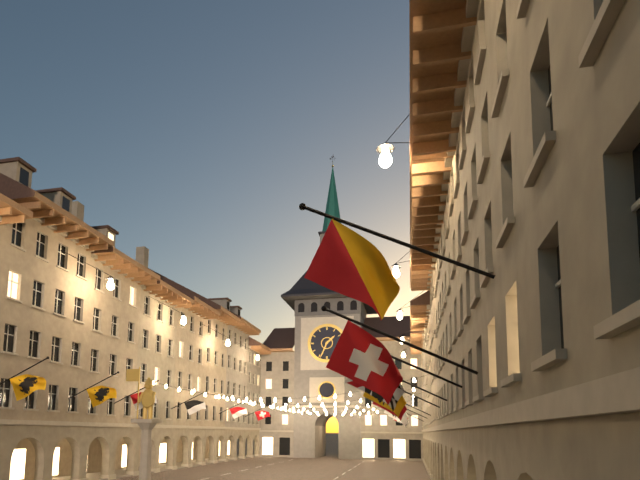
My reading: 1:34
